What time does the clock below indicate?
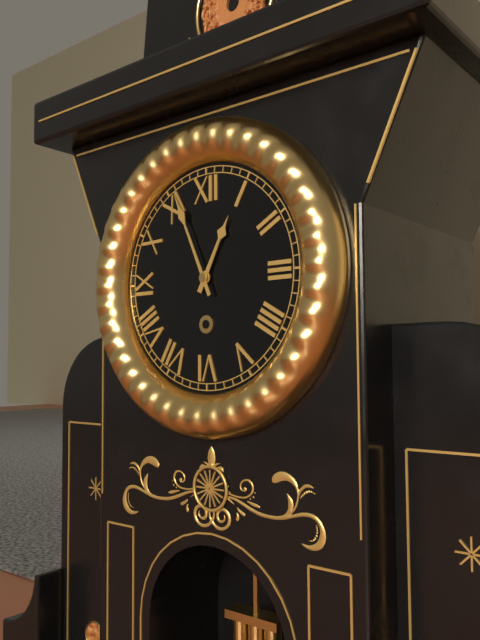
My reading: 12:56
